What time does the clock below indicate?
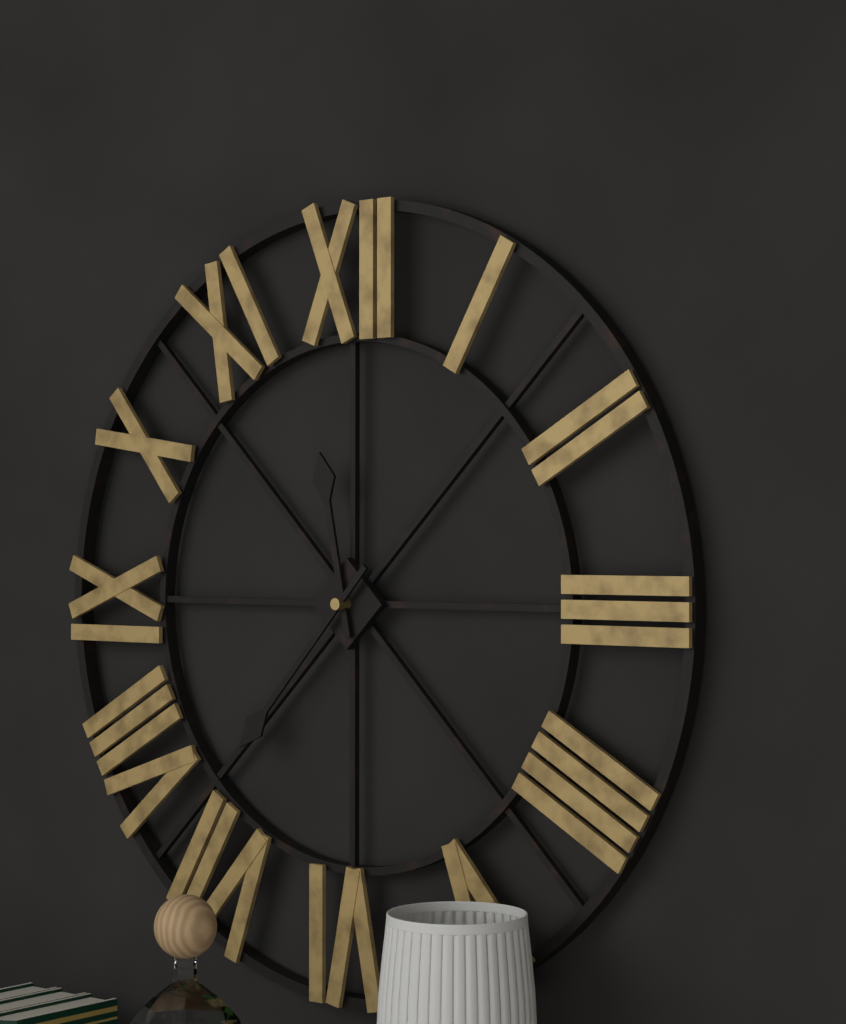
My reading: 11:37
